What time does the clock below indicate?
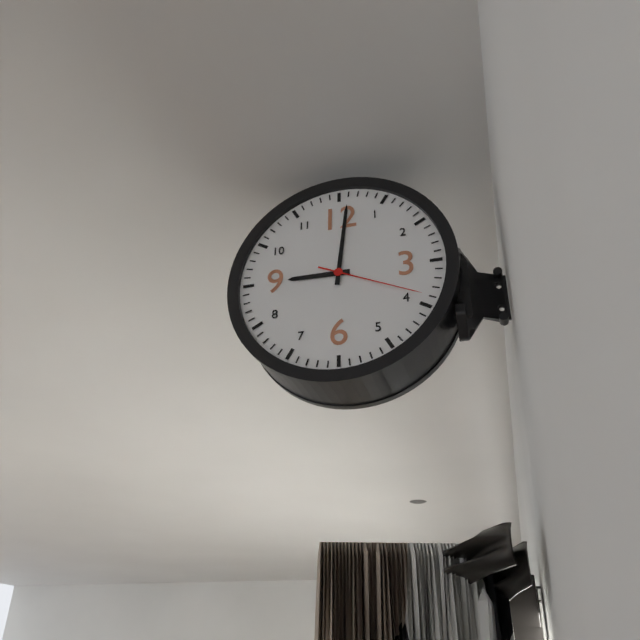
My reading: 9:01:19
